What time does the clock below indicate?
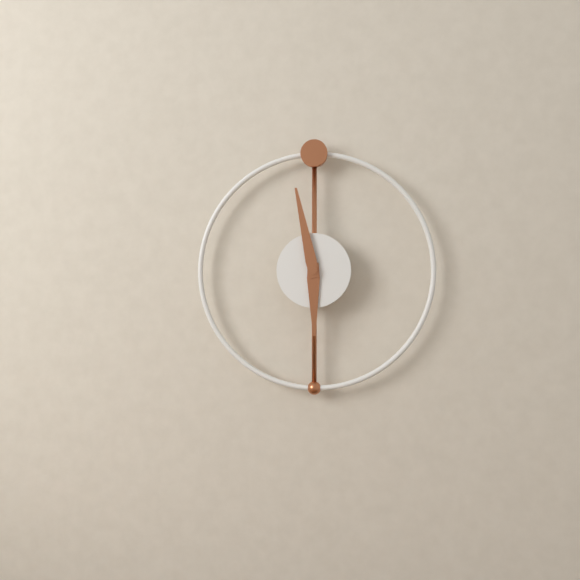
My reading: 5:58
